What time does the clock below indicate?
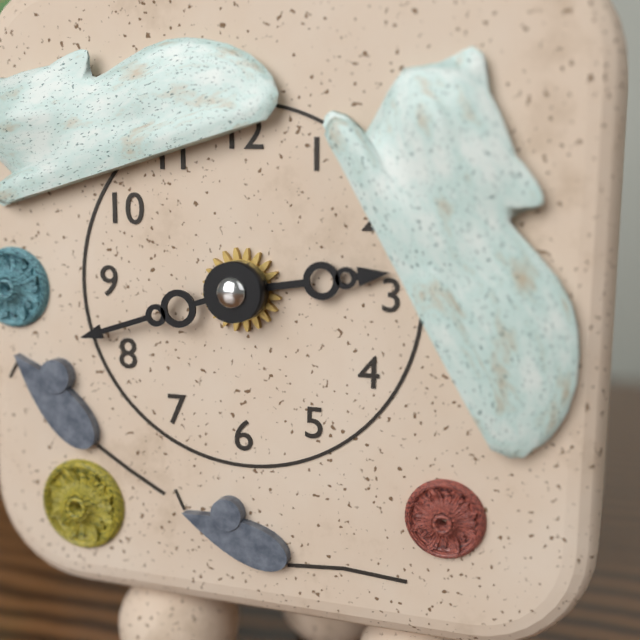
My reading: 2:42
